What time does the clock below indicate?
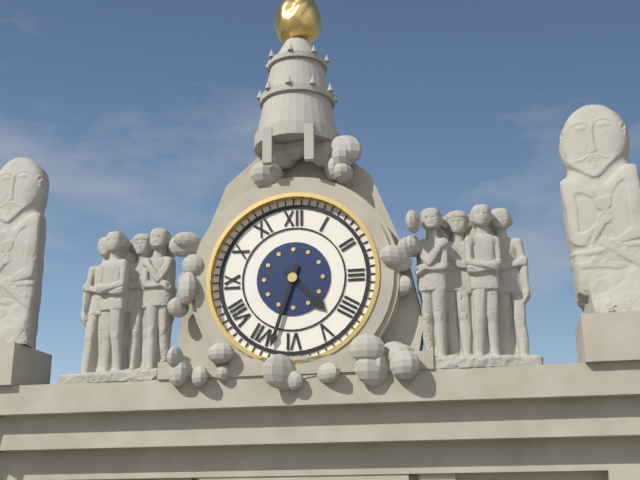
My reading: 4:33
